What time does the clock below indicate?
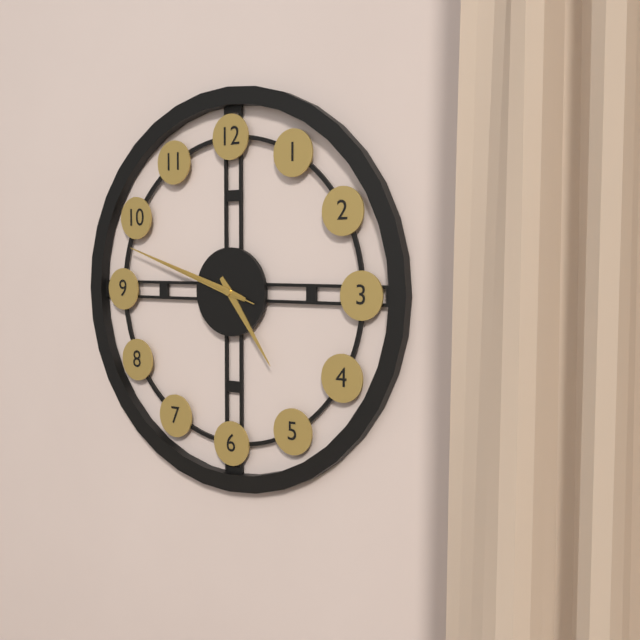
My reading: 4:48:48
